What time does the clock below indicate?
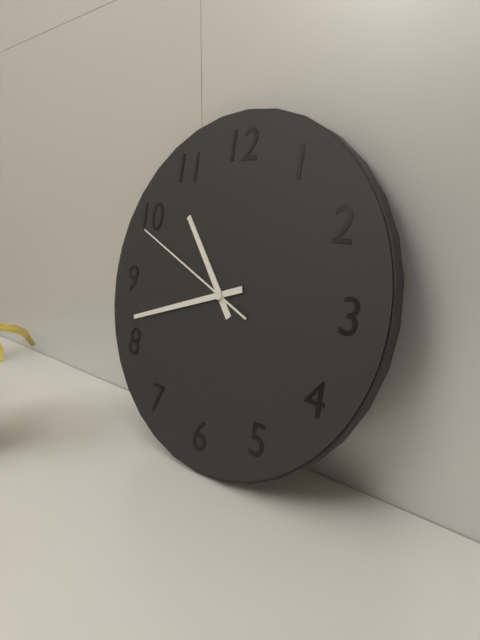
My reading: 10:42:49
